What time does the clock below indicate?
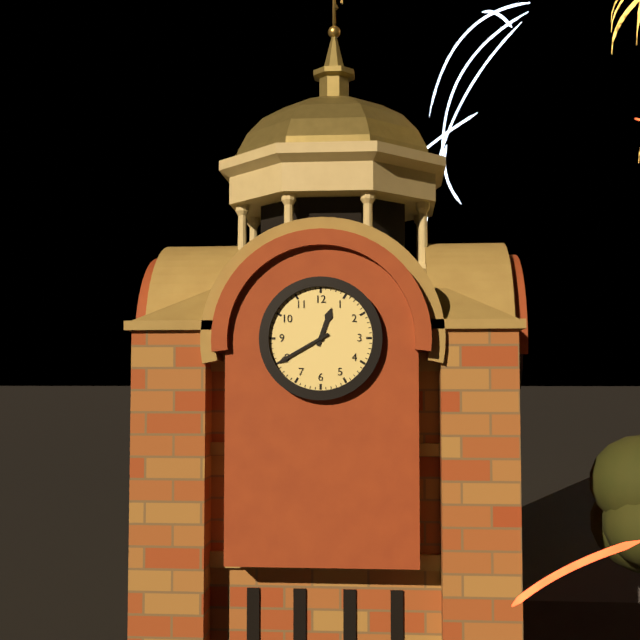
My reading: 12:40
